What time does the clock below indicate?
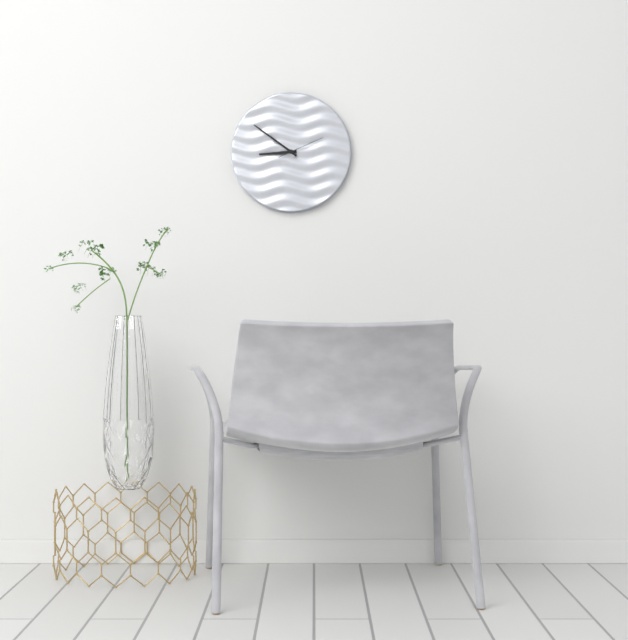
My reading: 8:51
